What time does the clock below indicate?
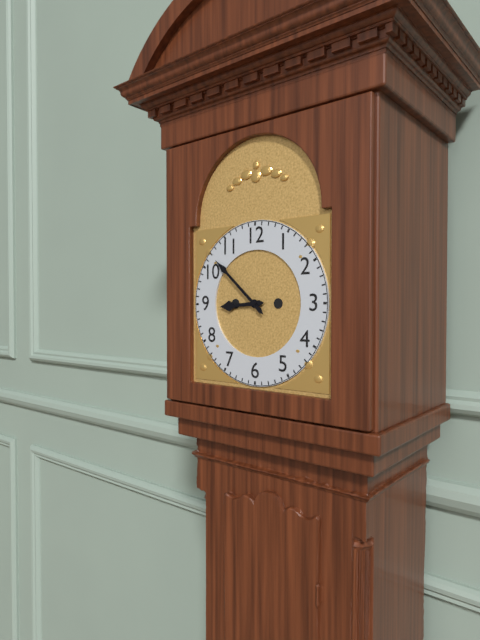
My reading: 8:52
